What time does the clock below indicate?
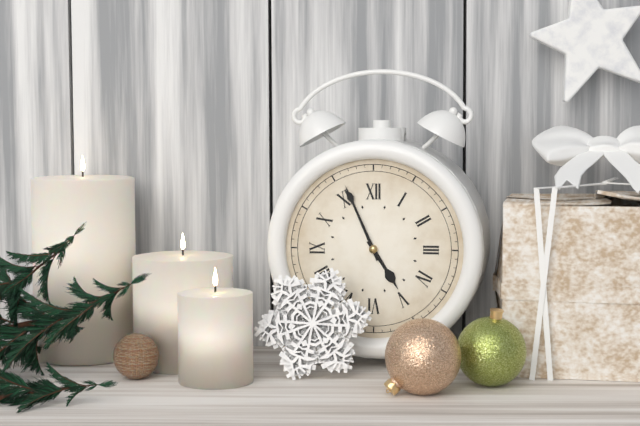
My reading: 4:56
